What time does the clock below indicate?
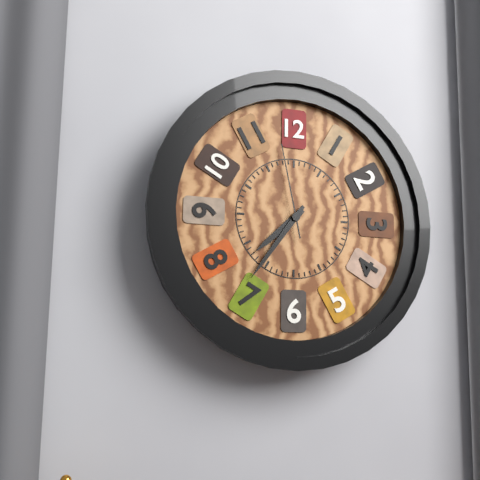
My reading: 7:36:58
